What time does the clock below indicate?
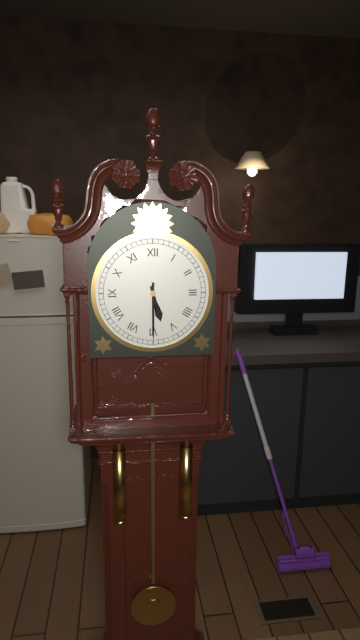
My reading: 5:30
